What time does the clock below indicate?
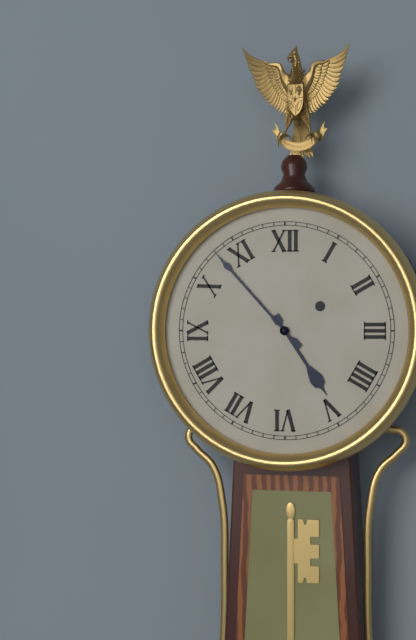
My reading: 4:53
